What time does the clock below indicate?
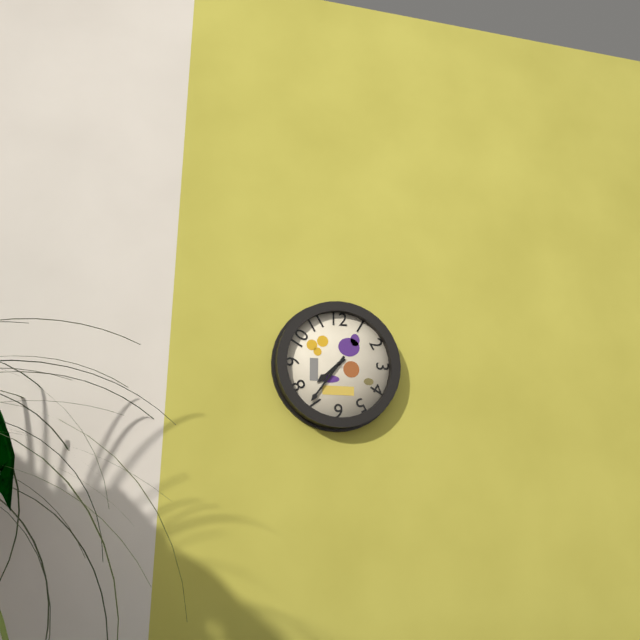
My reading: 7:36
